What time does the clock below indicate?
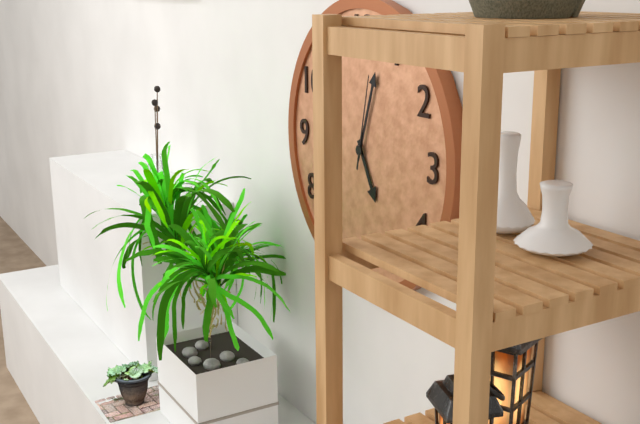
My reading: 5:03:02
